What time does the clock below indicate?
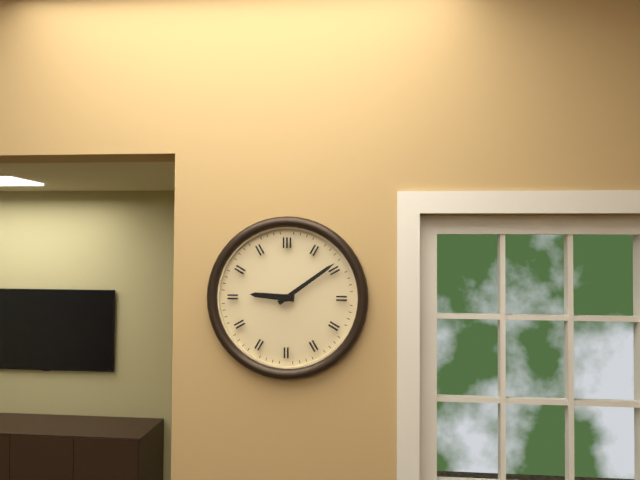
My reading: 9:09
